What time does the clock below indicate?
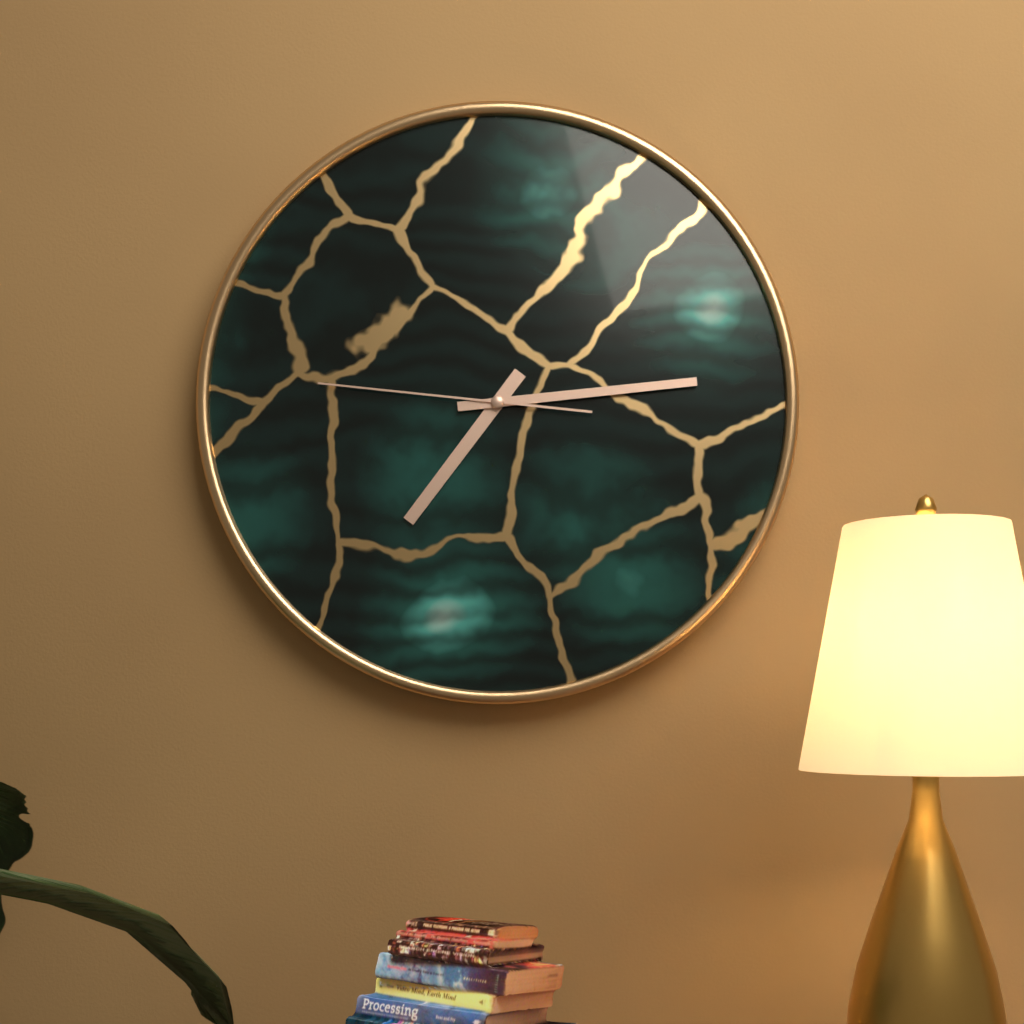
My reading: 7:14:46
